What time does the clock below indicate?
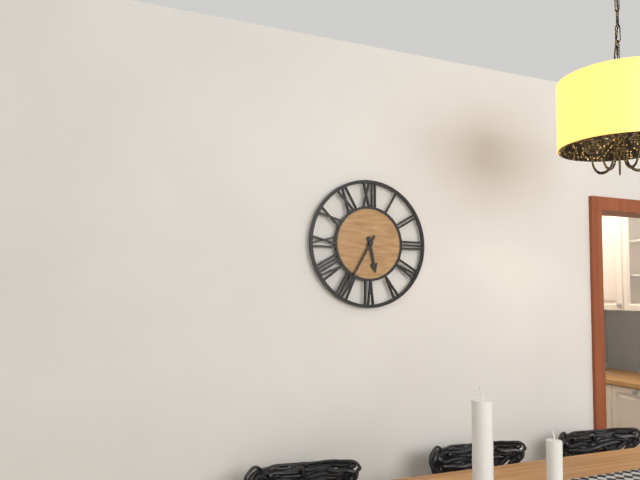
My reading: 5:35
